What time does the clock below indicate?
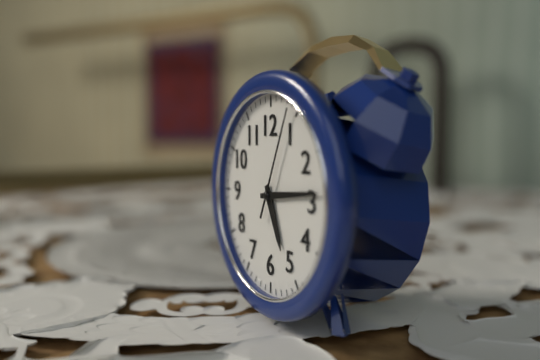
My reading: 5:14:04
